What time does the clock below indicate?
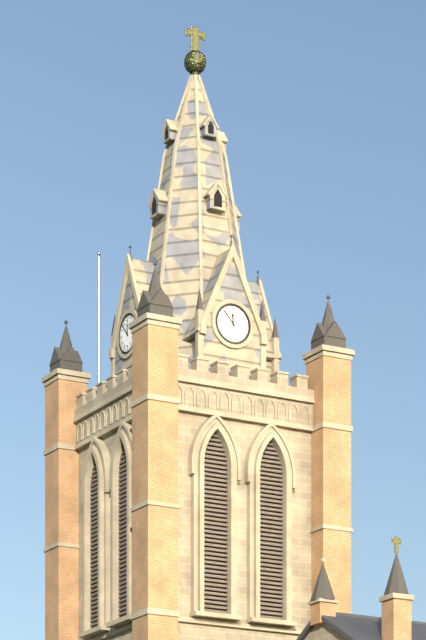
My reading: 11:53
